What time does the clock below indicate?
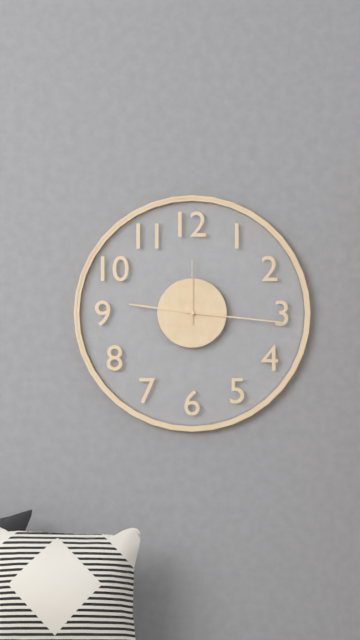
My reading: 9:16:00
